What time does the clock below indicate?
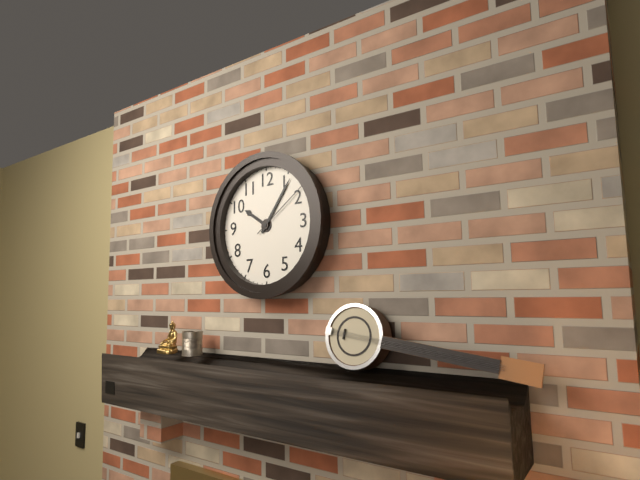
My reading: 10:06:09
